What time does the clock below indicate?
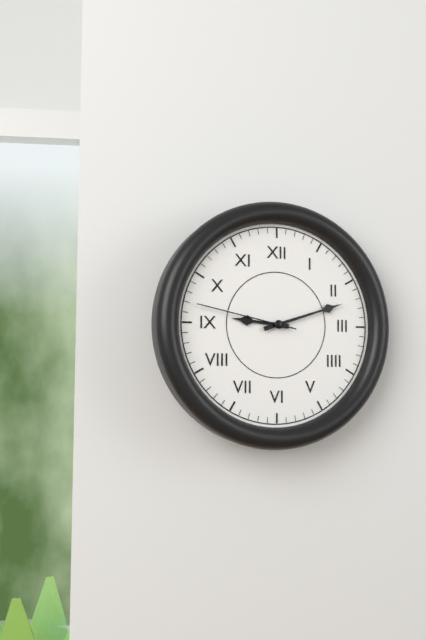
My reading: 9:12:47
